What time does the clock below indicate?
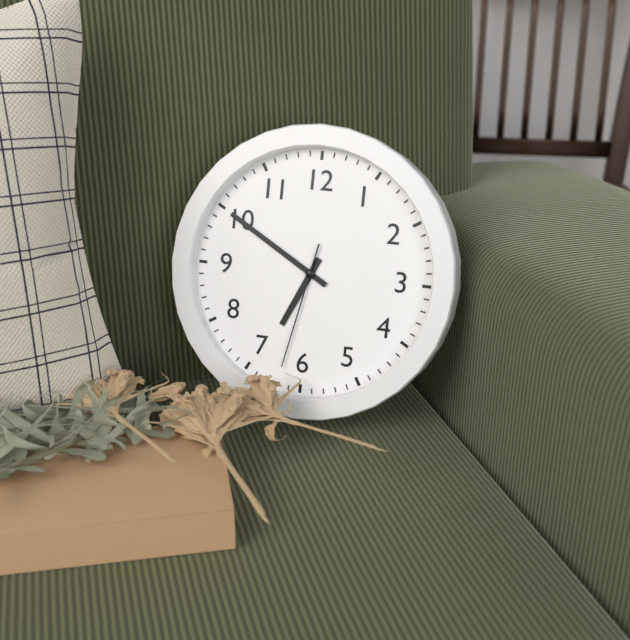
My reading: 6:50:32
